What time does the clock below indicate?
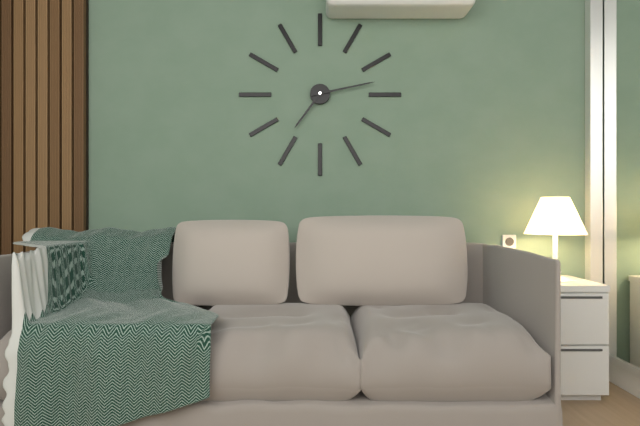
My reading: 7:13
